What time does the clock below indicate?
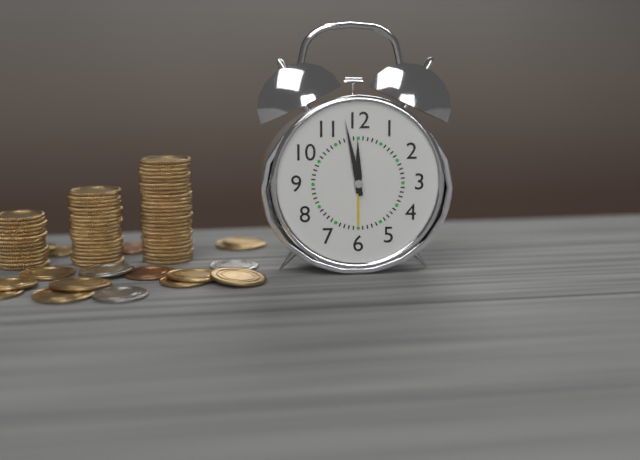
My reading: 11:58
